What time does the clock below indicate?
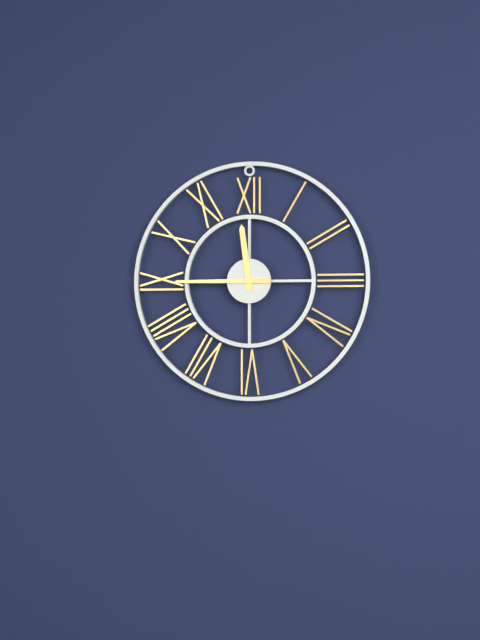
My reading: 11:45
